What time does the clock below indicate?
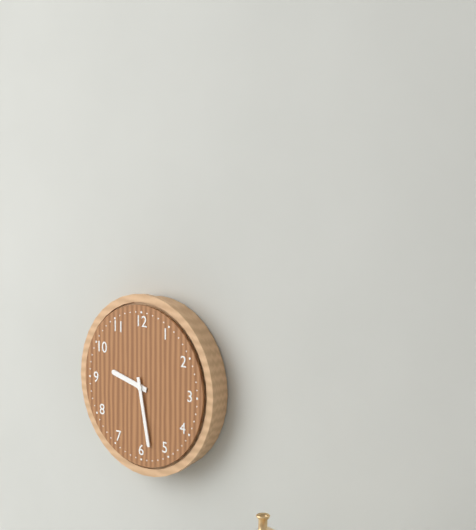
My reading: 9:28
